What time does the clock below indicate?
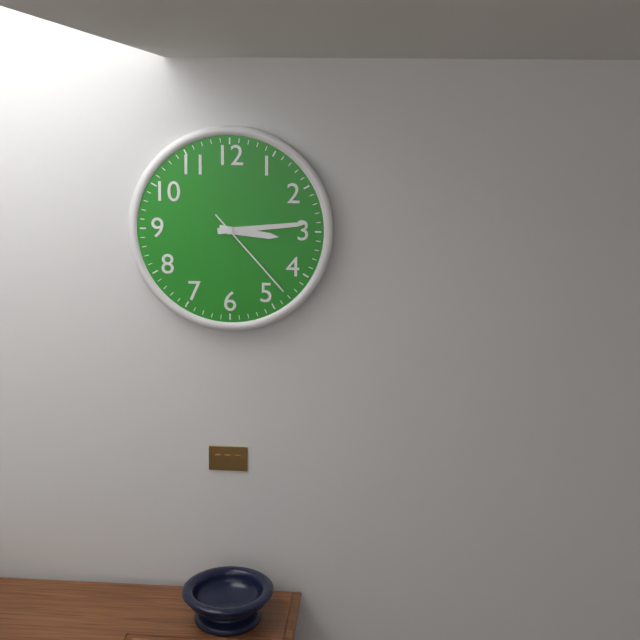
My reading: 3:14:23
